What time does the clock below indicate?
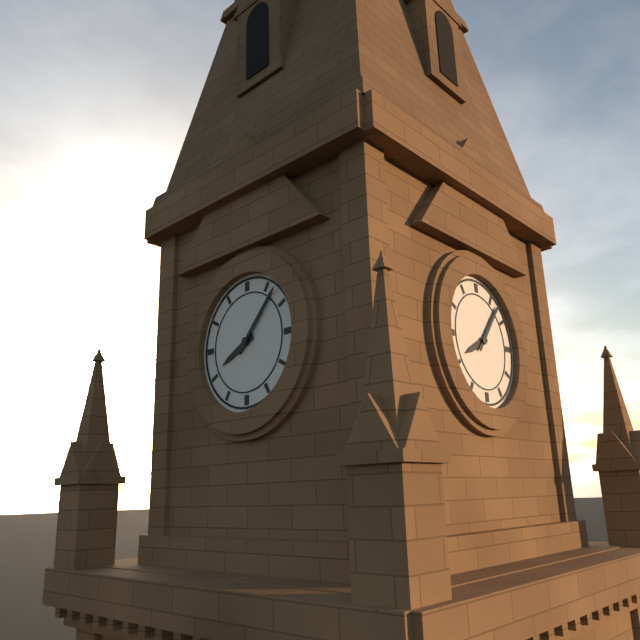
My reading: 8:07
